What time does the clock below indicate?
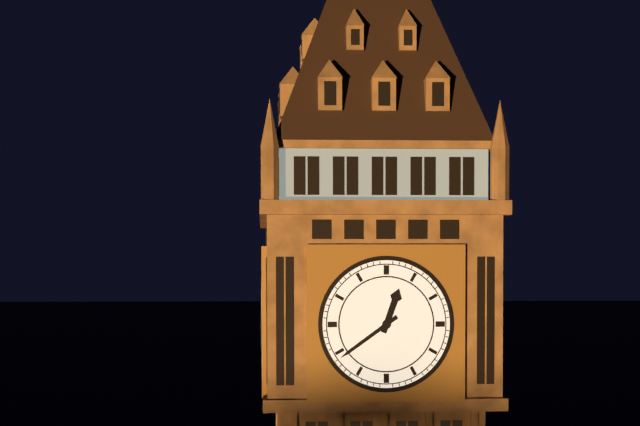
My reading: 12:39
